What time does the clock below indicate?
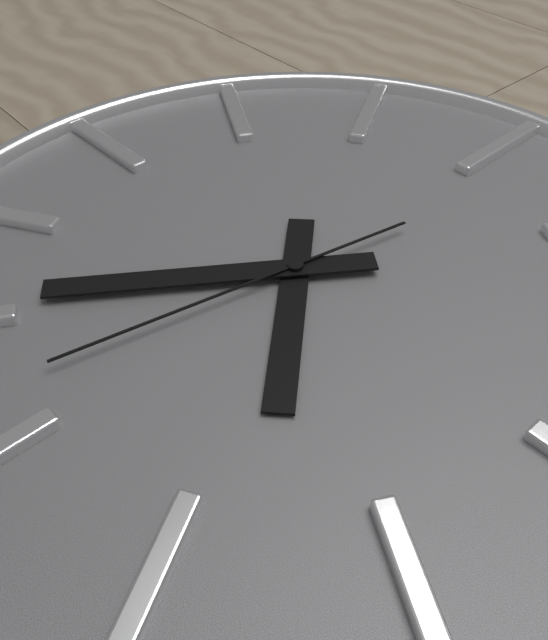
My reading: 4:36:32
